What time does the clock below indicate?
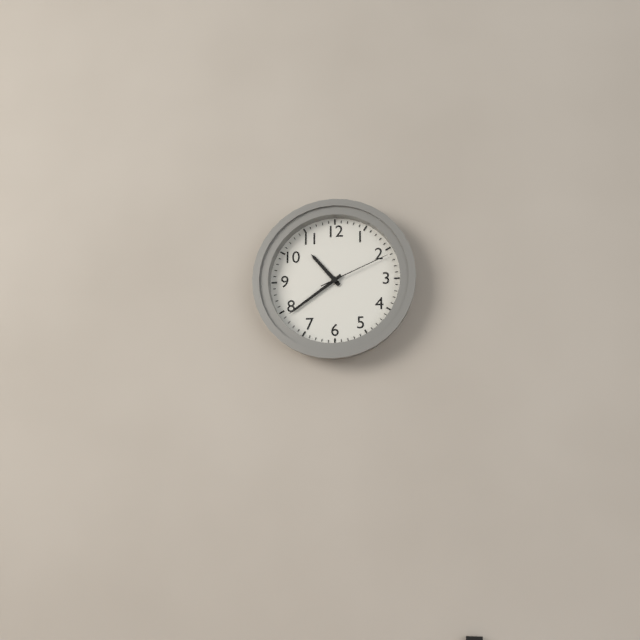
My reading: 10:39:11
